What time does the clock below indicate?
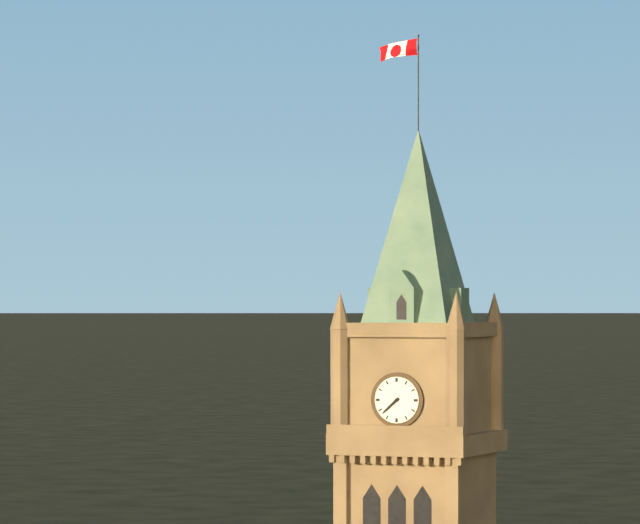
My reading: 7:38
